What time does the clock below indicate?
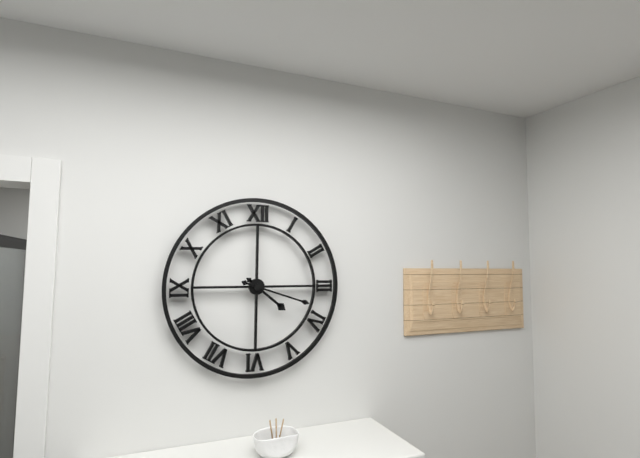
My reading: 4:18
